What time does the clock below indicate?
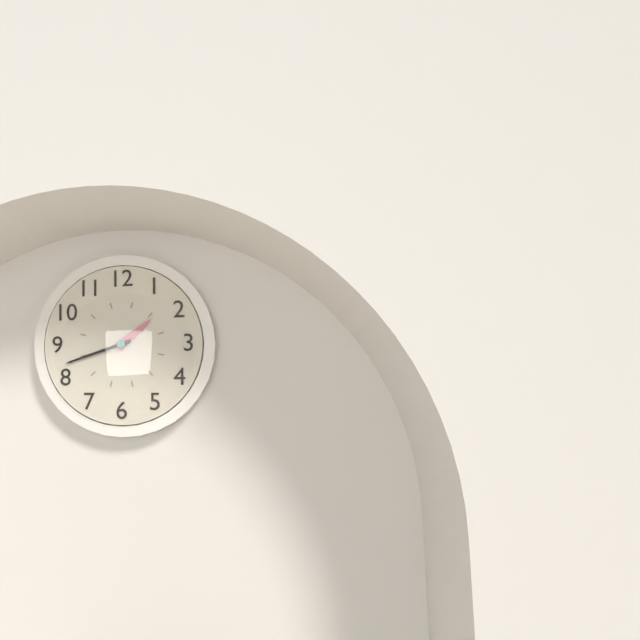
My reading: 1:42
